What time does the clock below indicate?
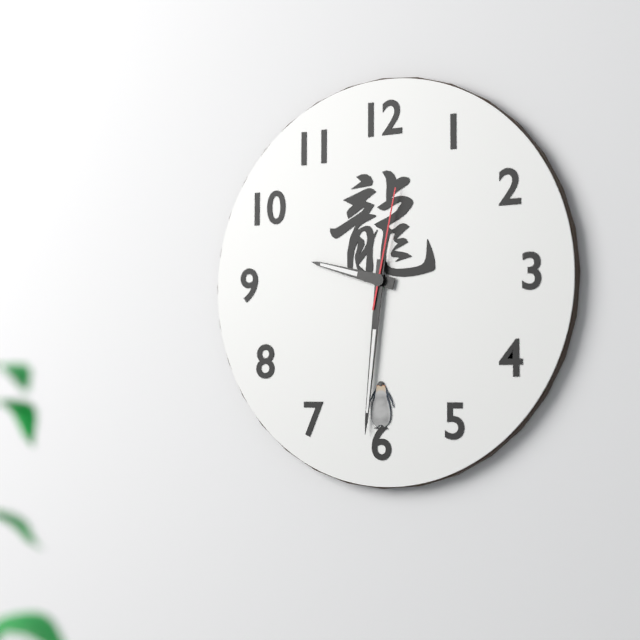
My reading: 9:31:02
